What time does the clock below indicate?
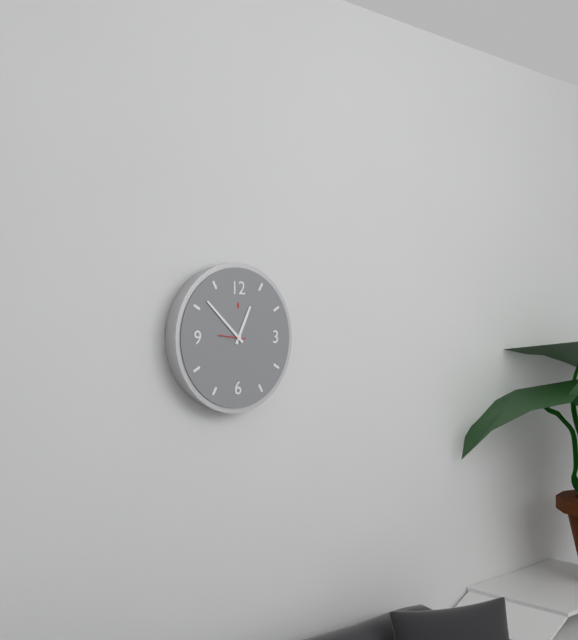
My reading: 12:52
